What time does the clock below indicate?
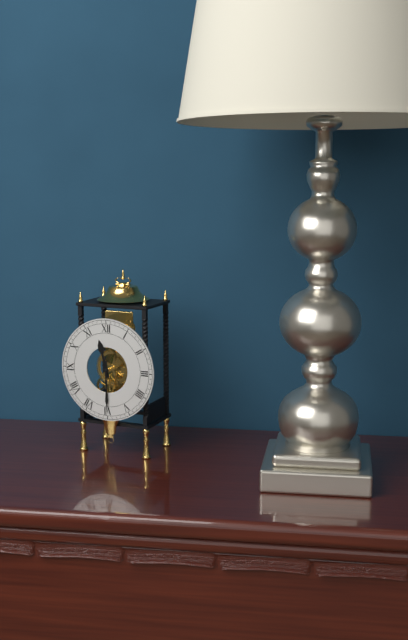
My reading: 11:30
